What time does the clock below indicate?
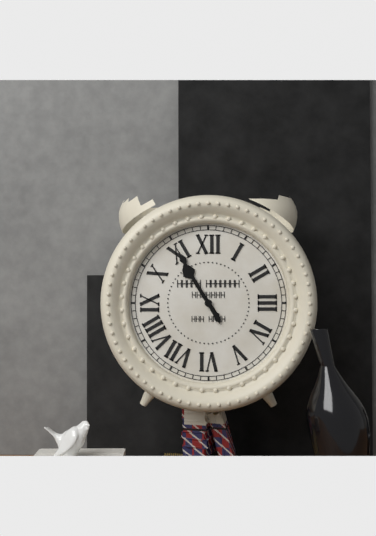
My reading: 10:55
